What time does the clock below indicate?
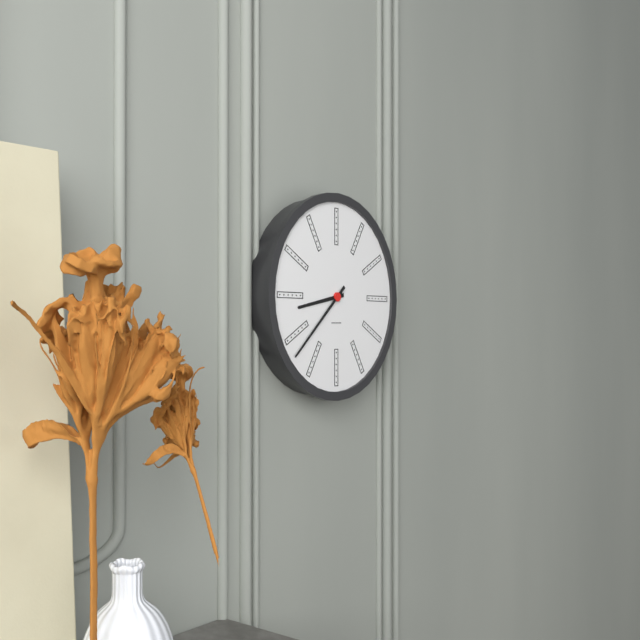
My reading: 8:38
